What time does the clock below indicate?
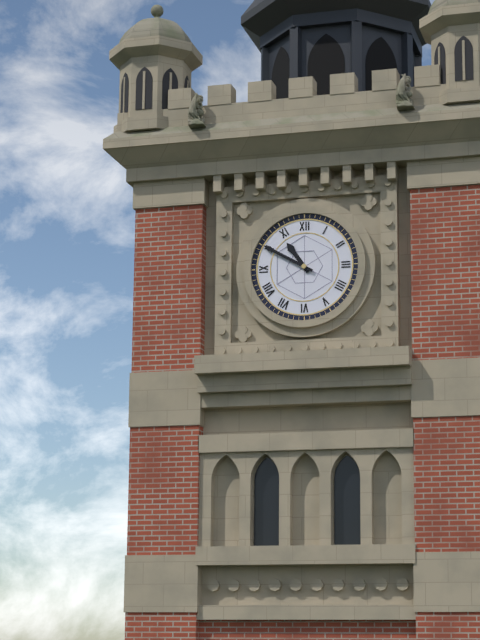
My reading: 10:50
